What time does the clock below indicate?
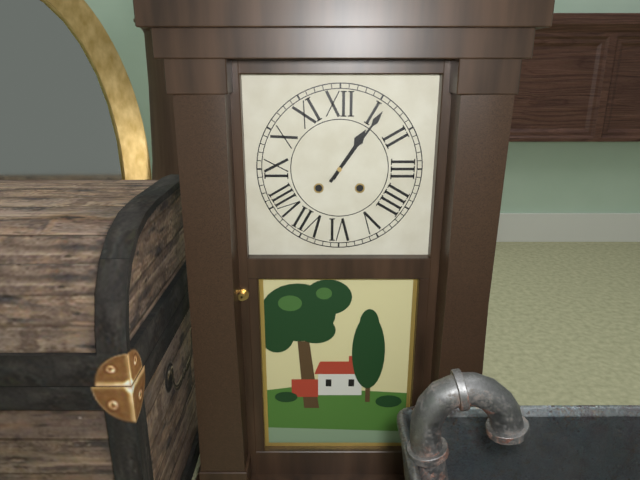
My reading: 1:06
